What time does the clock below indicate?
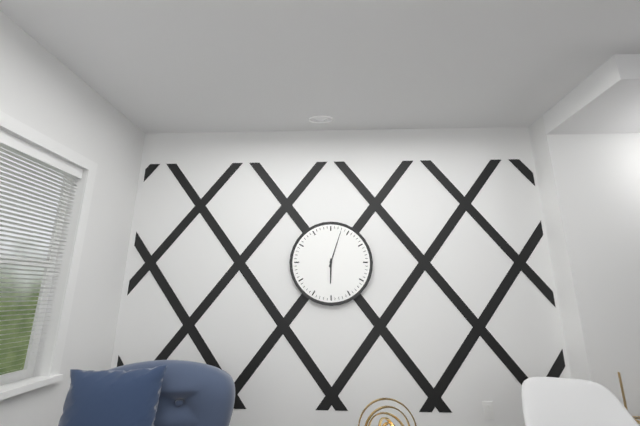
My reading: 6:03
